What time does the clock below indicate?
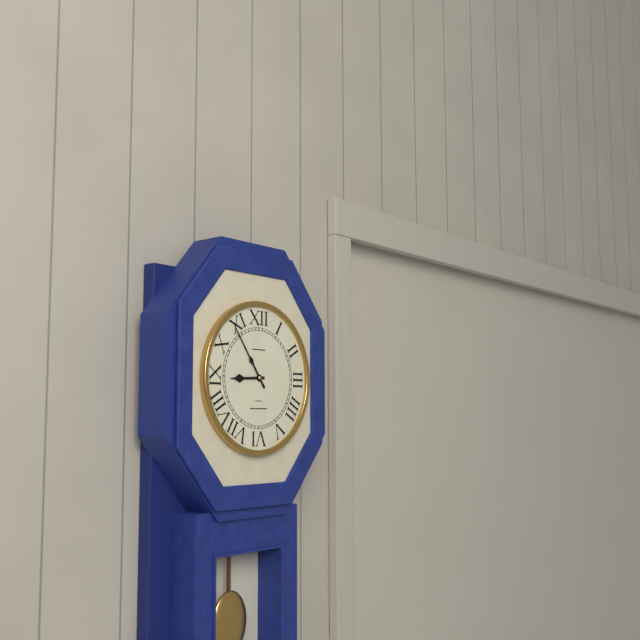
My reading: 8:54
